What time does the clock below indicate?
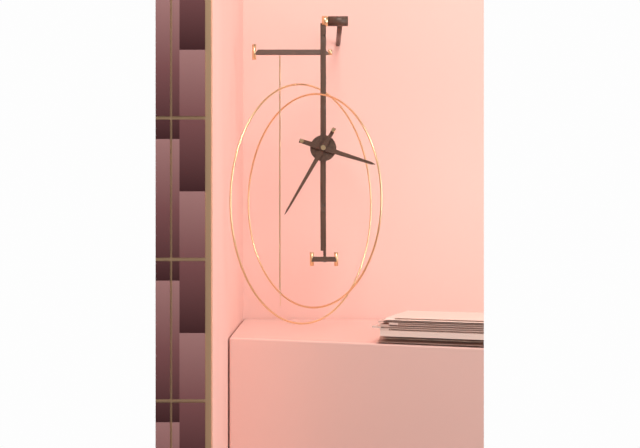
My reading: 3:35
